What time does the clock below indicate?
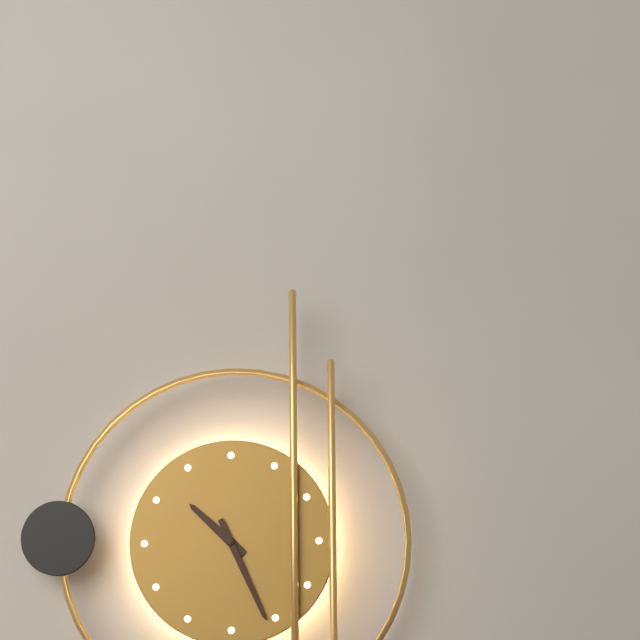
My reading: 10:26
